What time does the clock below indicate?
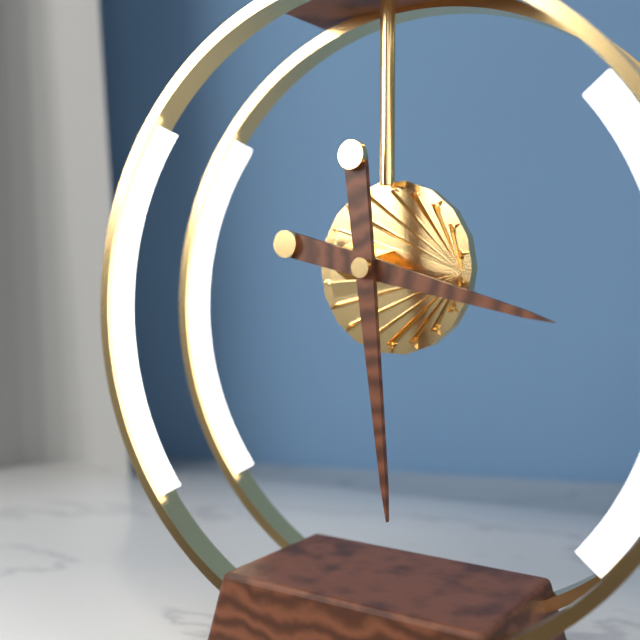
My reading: 3:29
